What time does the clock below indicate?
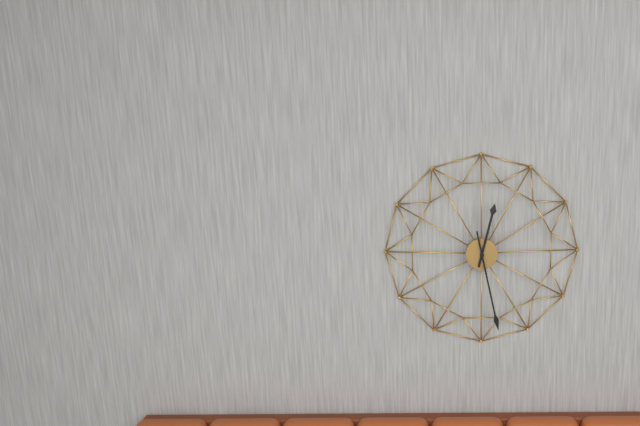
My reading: 12:28
